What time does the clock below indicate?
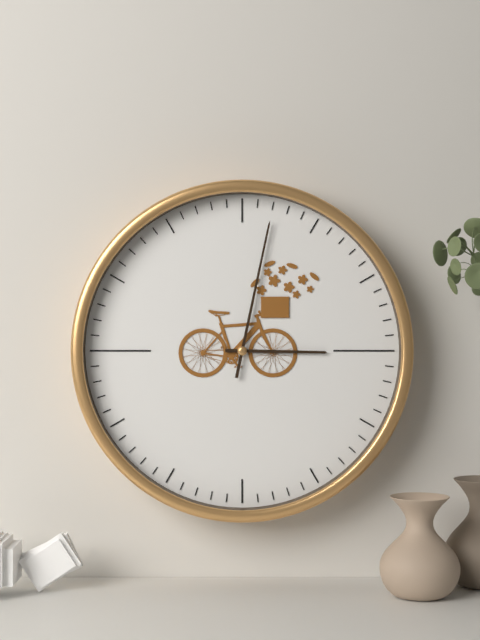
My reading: 3:02
